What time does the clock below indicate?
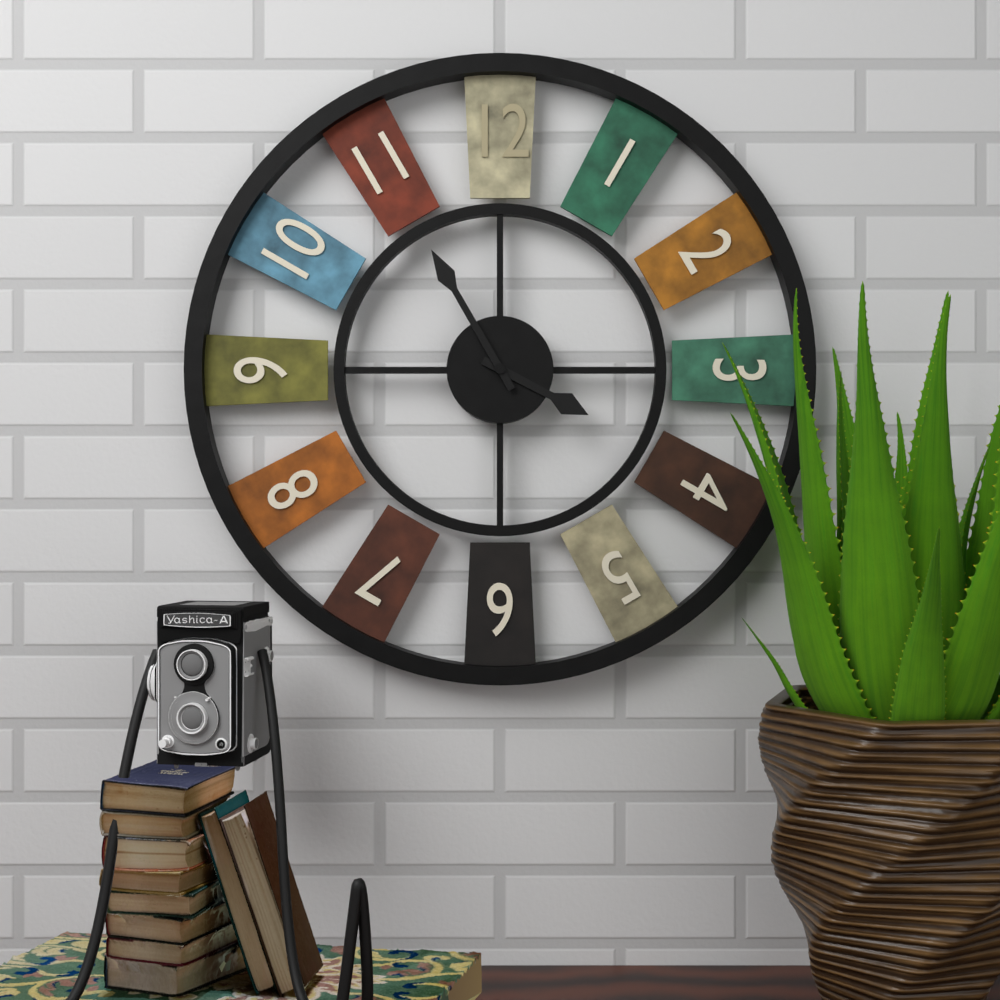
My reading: 3:55
